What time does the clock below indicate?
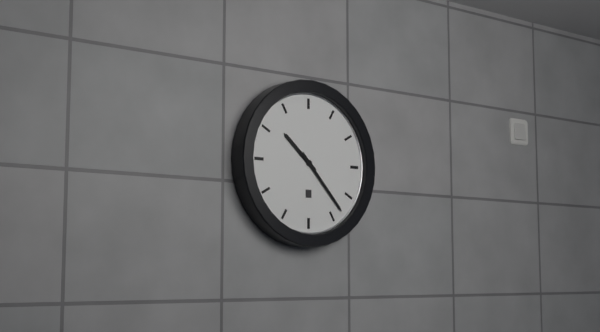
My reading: 10:23
